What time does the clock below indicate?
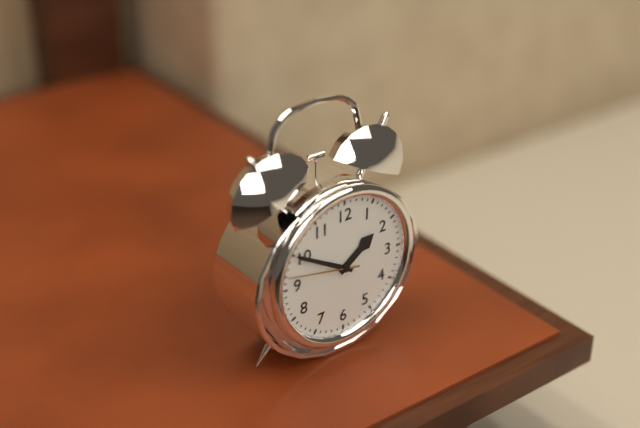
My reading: 1:50:47
